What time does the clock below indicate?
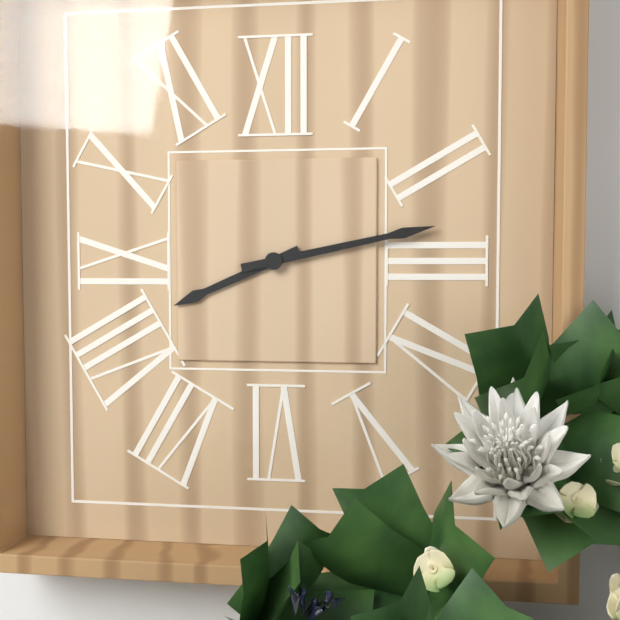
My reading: 8:13
